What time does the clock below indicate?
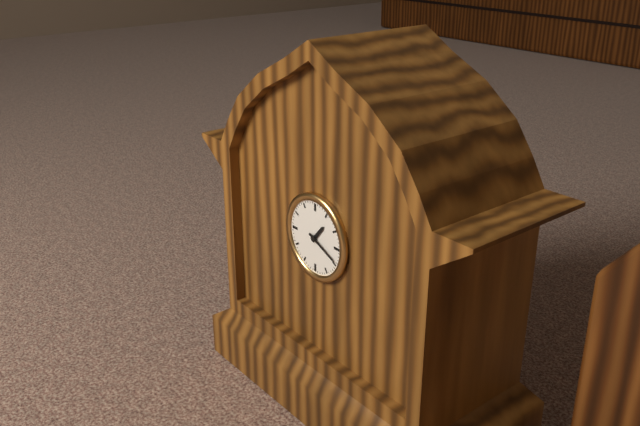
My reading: 1:19
